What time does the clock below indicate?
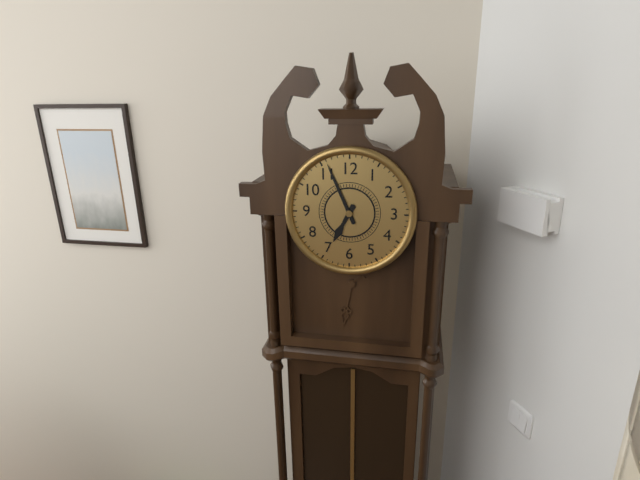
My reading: 6:56
